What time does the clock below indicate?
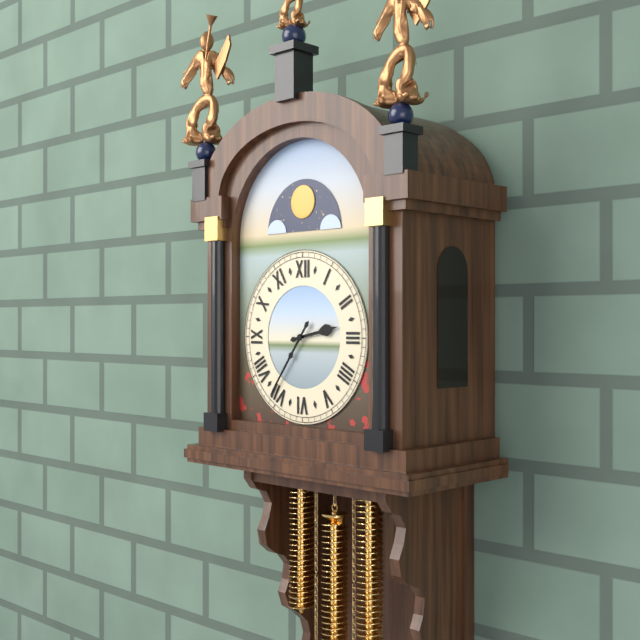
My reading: 2:36
